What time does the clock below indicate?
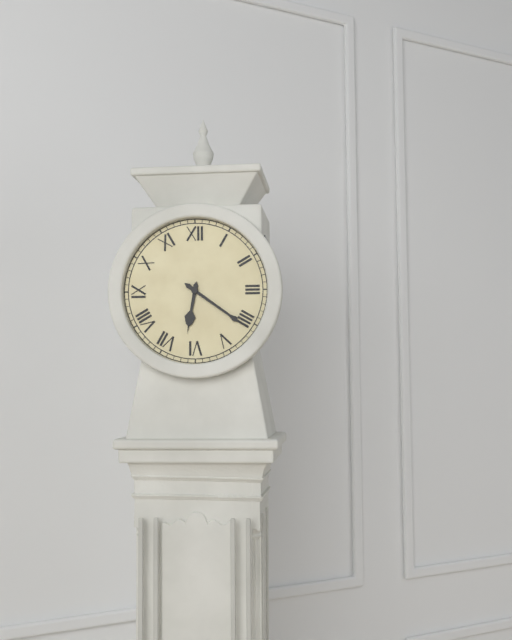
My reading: 6:21
